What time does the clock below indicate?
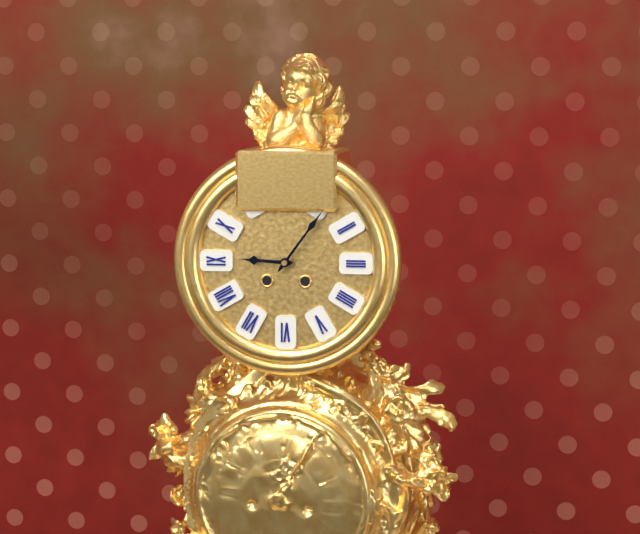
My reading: 9:06
